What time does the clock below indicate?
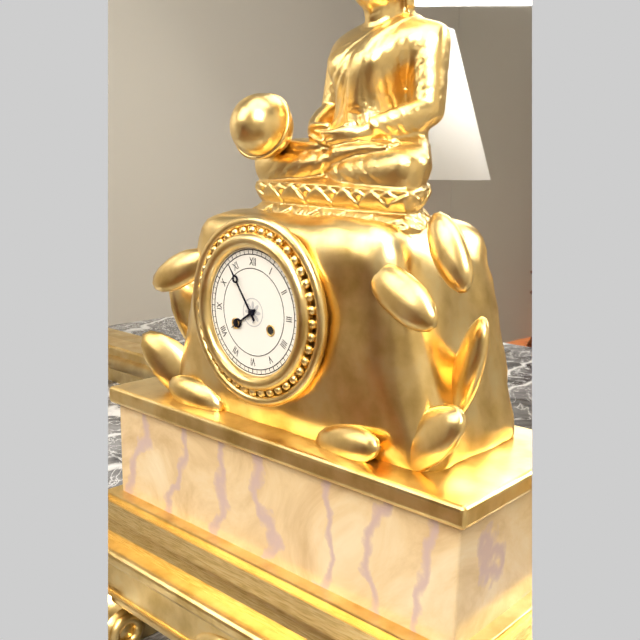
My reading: 7:54
